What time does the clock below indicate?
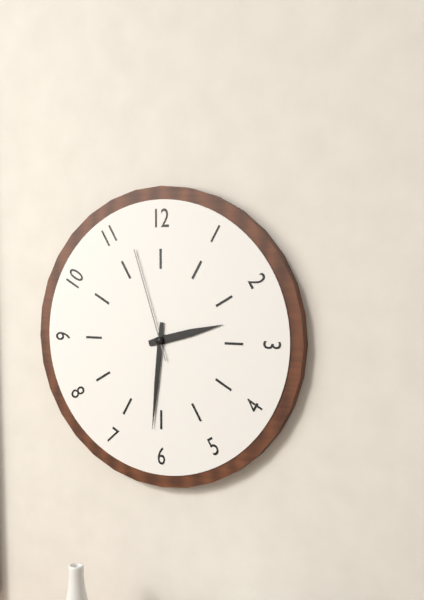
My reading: 2:31:57
